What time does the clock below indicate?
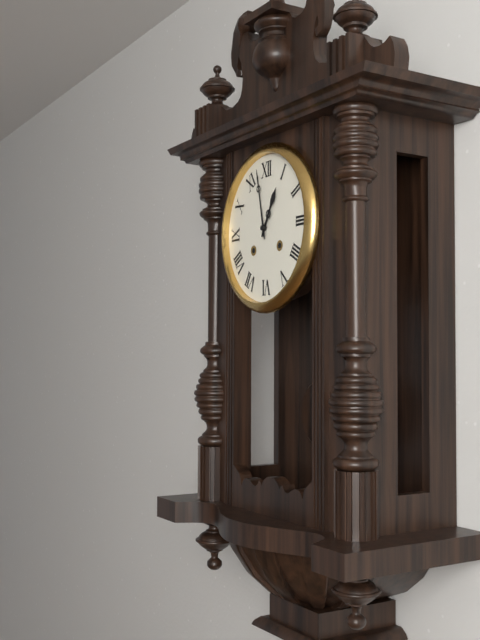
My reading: 12:58
